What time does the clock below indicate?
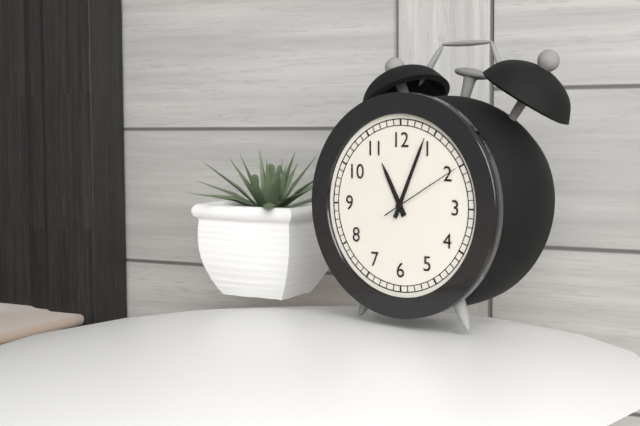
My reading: 11:04:10
